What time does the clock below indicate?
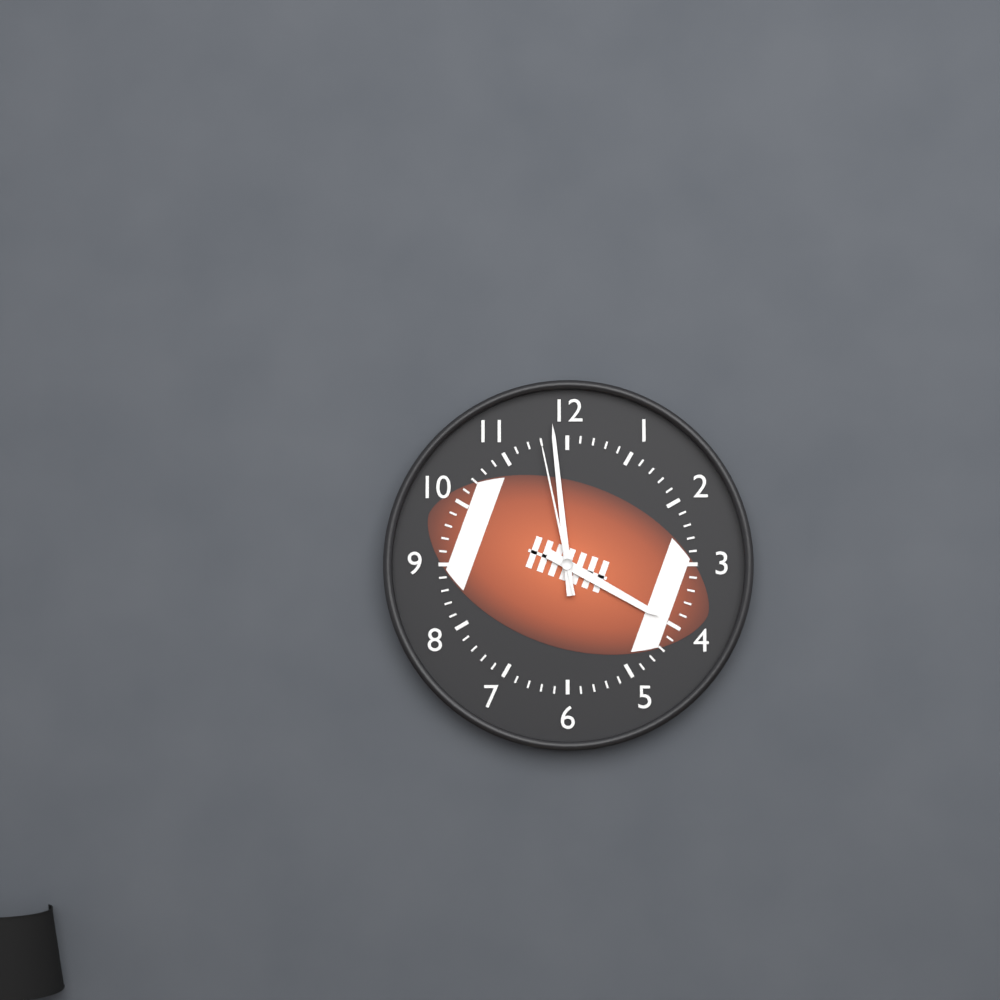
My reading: 3:59:58
